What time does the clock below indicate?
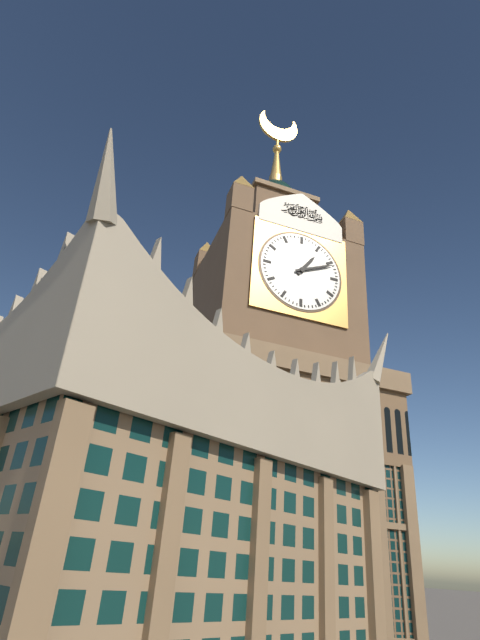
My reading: 1:11
